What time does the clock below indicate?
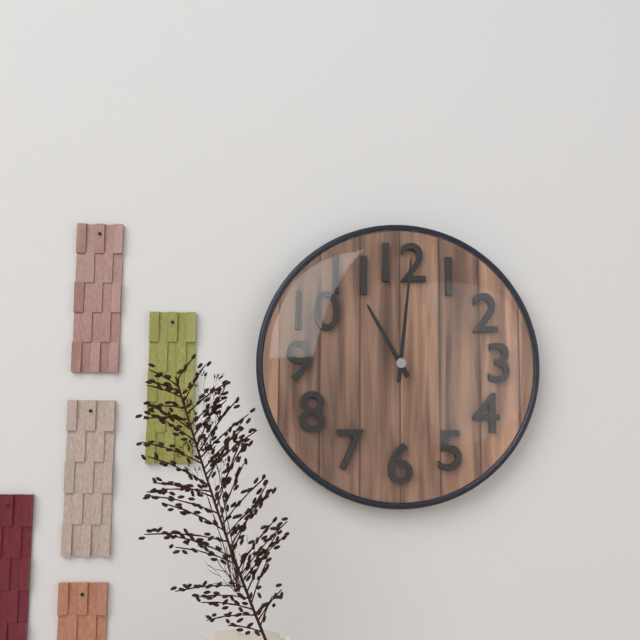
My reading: 11:01
